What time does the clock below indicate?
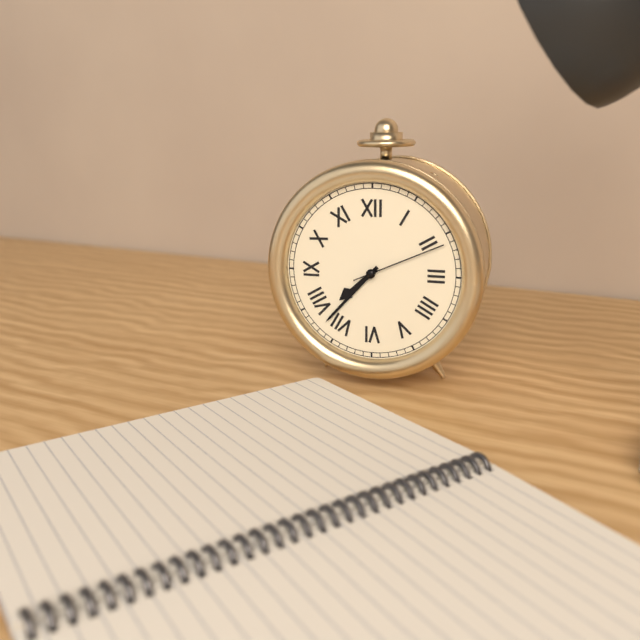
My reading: 7:37:11
